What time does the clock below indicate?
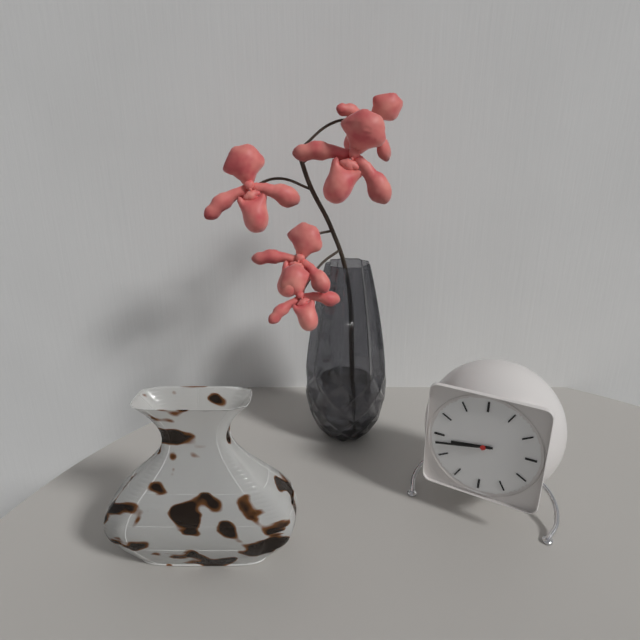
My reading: 8:43
